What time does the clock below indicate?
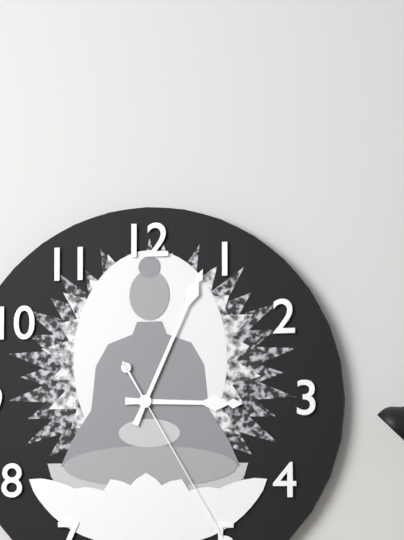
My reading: 3:04:25
